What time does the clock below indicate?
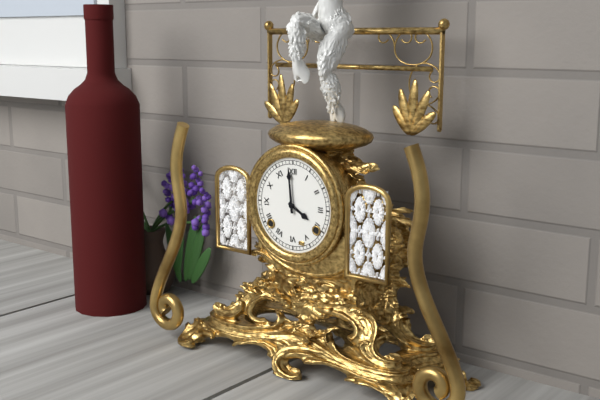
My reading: 3:59
